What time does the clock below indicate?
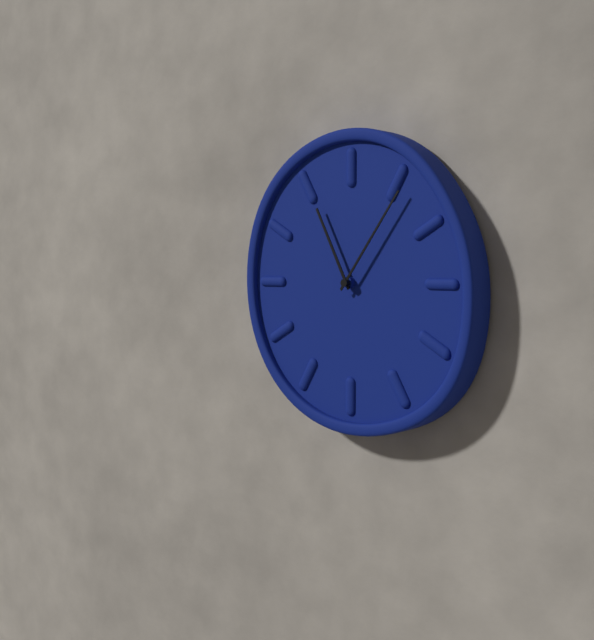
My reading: 11:06
